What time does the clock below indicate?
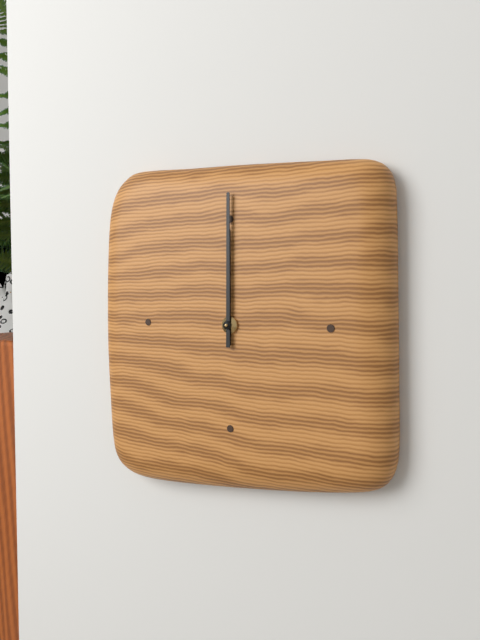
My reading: 12:00
